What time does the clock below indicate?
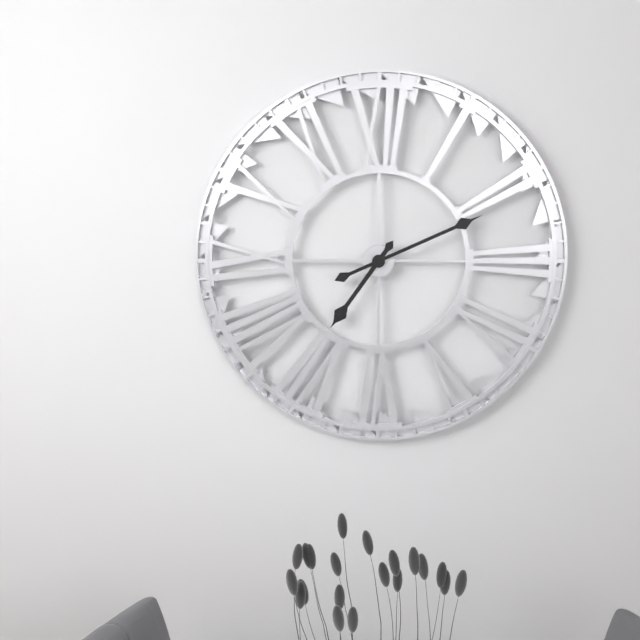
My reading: 7:11
